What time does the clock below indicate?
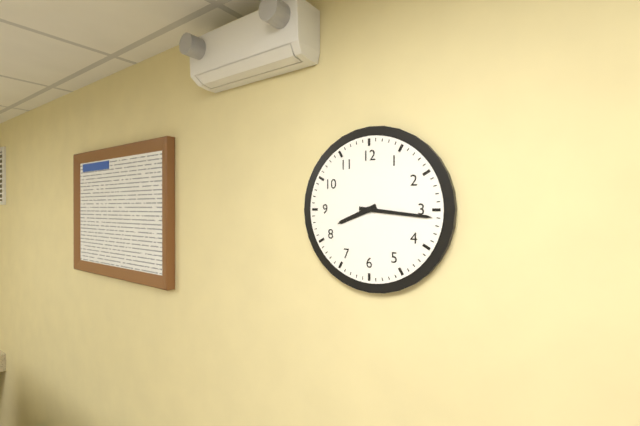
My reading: 8:16
